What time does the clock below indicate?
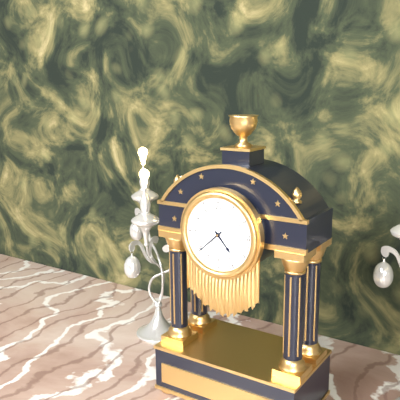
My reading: 4:38
